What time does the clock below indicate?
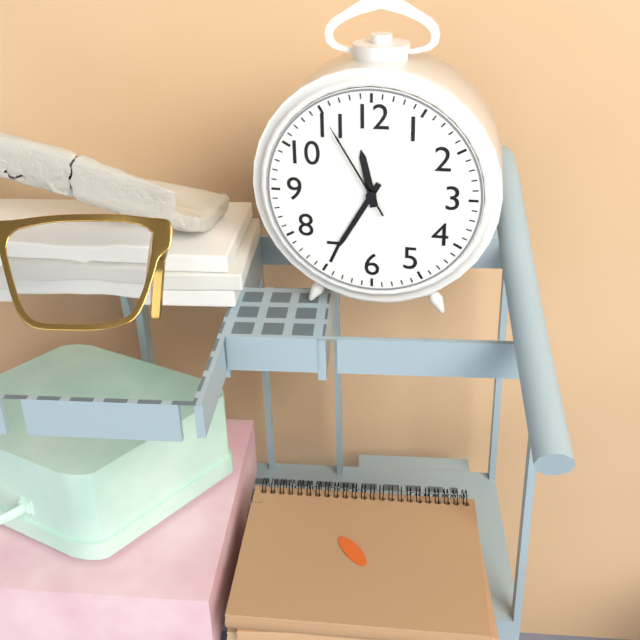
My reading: 11:35:55
